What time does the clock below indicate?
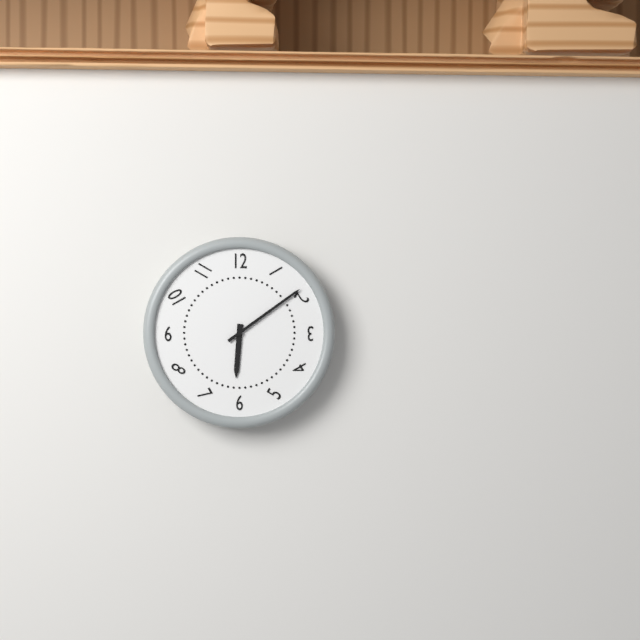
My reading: 6:09
